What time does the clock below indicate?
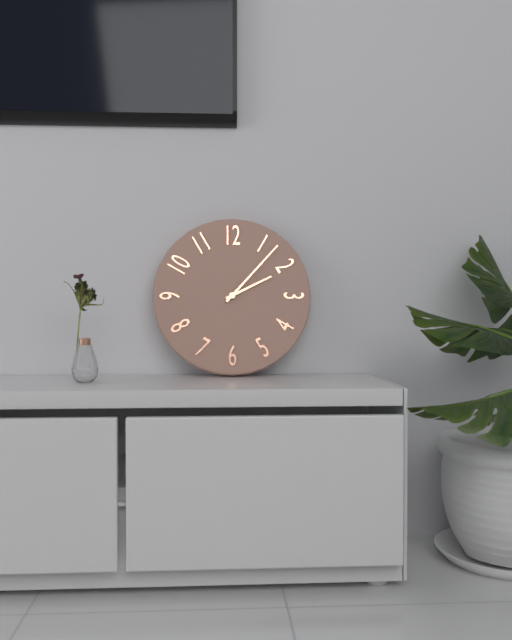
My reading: 2:07
